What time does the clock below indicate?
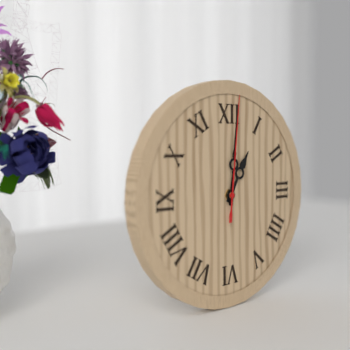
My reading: 1:01:01
